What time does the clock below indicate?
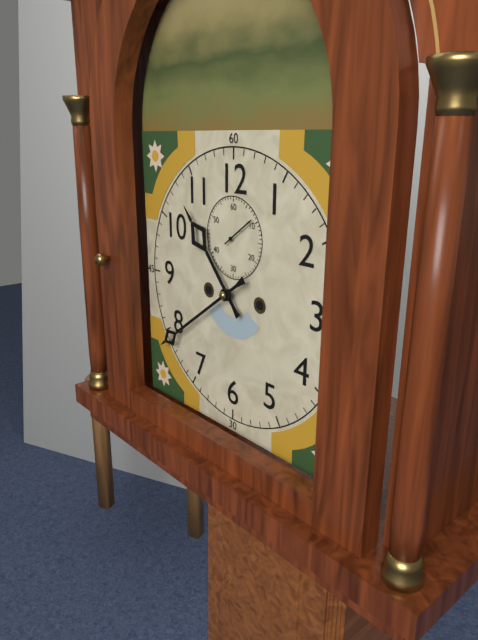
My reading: 10:39
